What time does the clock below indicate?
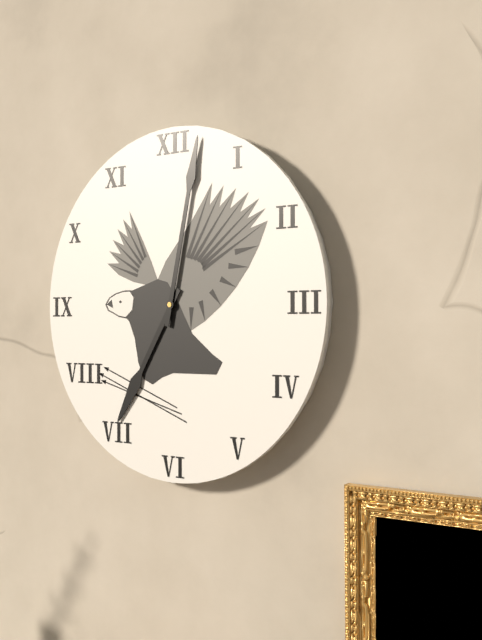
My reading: 7:02
